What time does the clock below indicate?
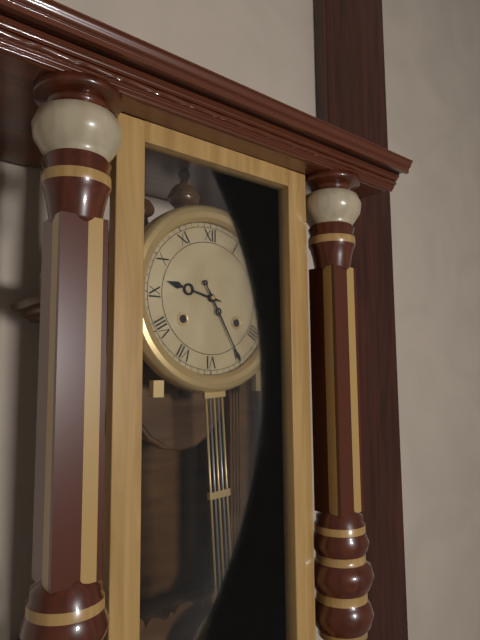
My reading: 9:25
